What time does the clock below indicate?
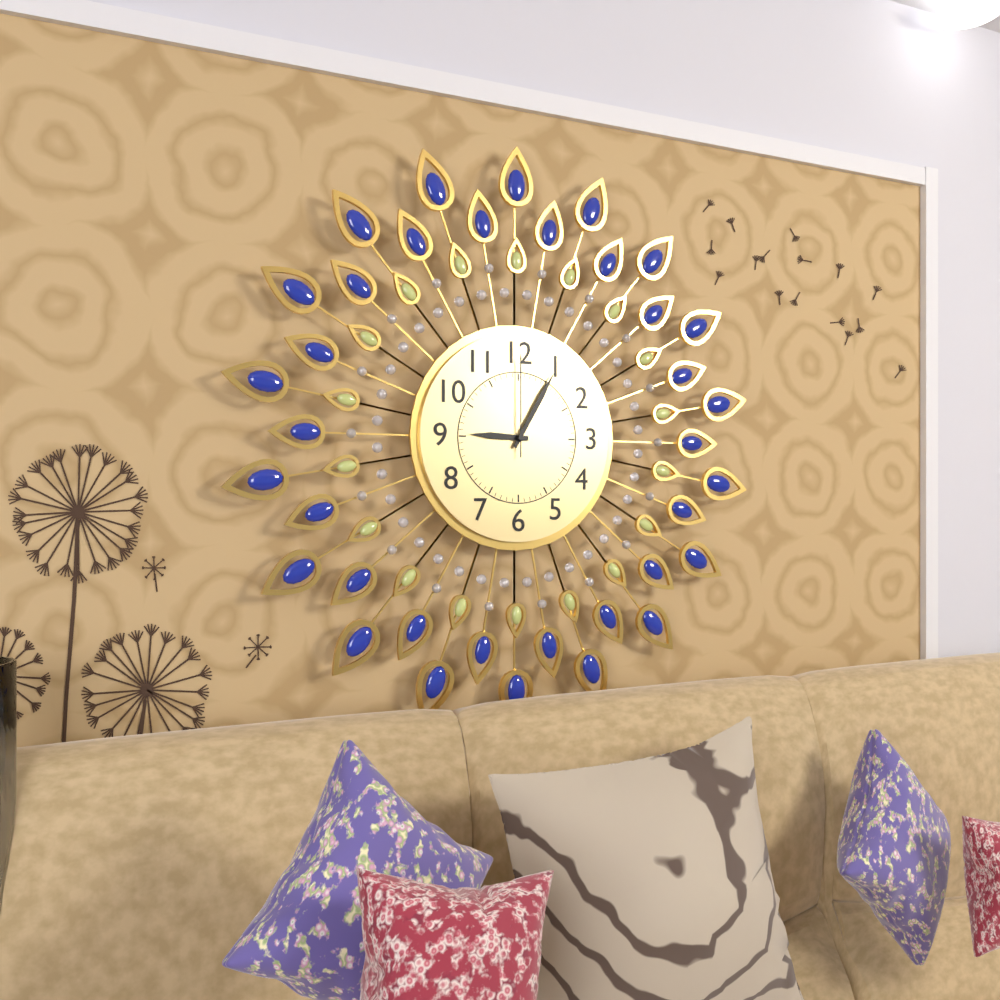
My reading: 9:05:00
